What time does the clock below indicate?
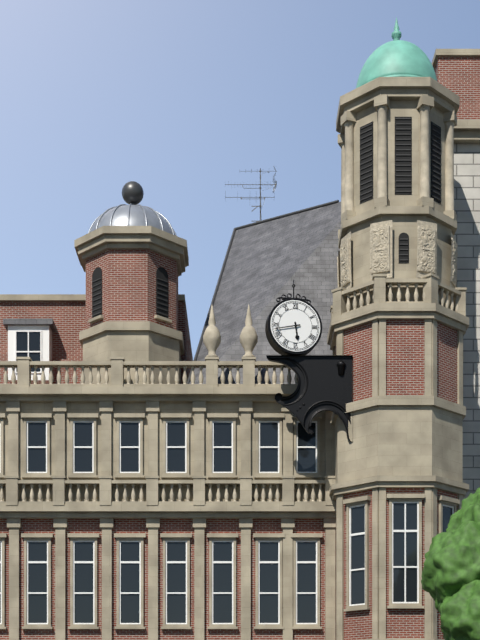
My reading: 5:43
